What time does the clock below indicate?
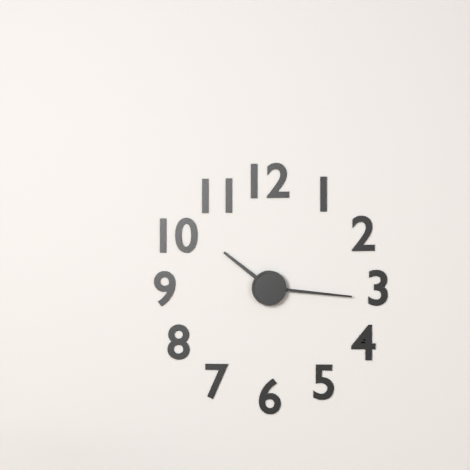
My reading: 10:16
